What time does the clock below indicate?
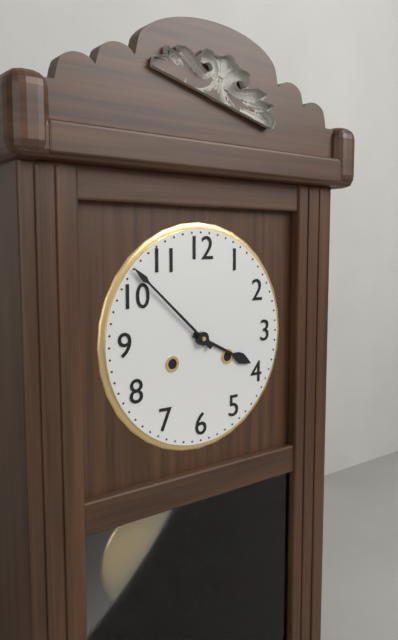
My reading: 3:52
